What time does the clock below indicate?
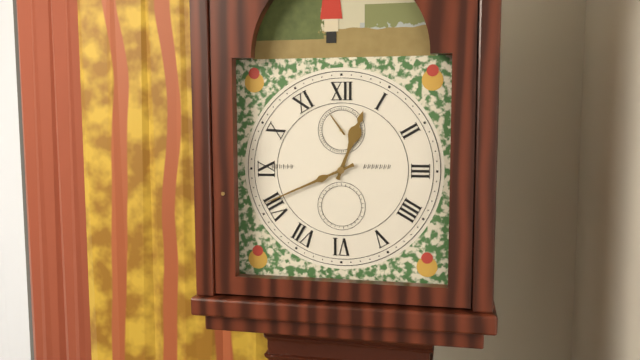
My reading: 12:41
